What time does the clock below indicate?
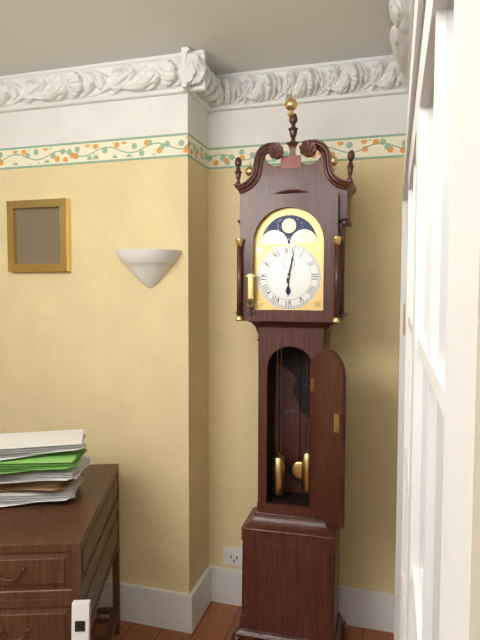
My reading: 6:02
